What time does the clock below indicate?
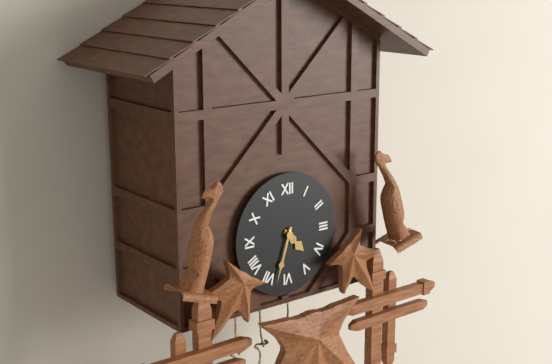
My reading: 4:33
